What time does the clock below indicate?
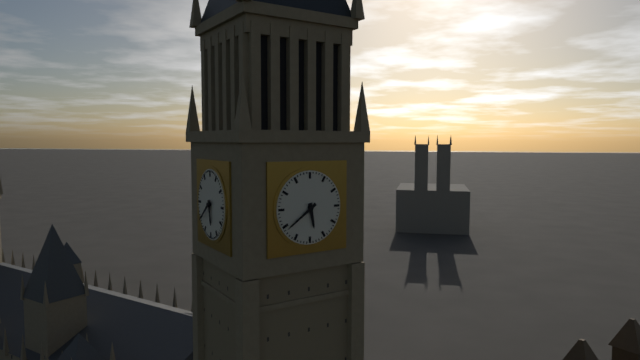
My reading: 5:39
